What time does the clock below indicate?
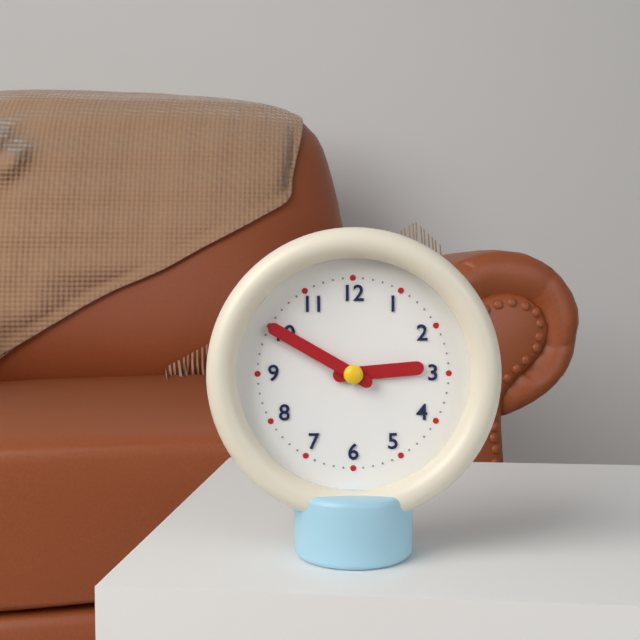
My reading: 2:50
